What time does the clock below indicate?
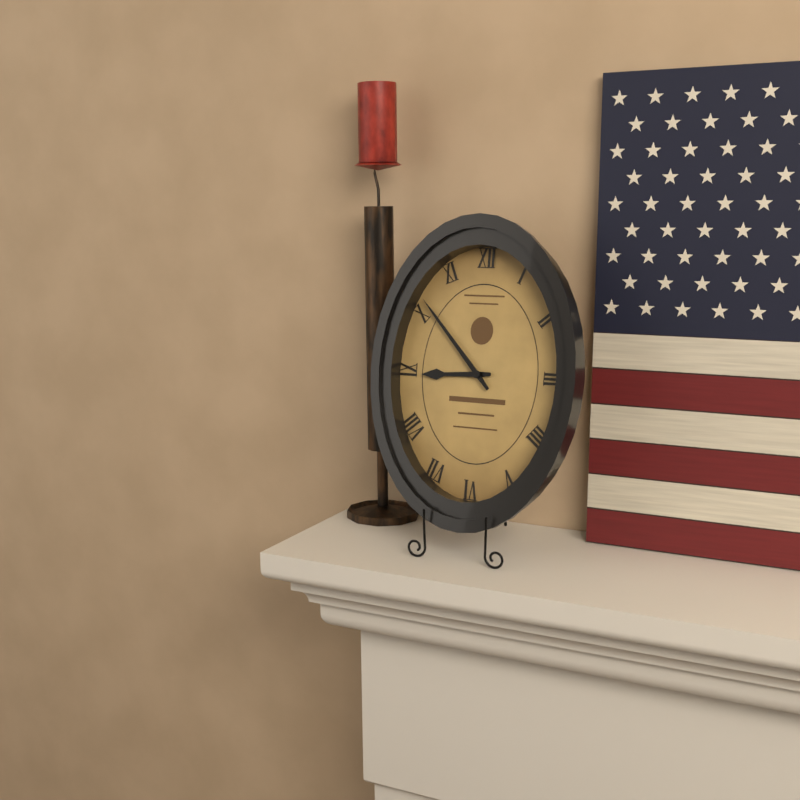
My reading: 8:53
